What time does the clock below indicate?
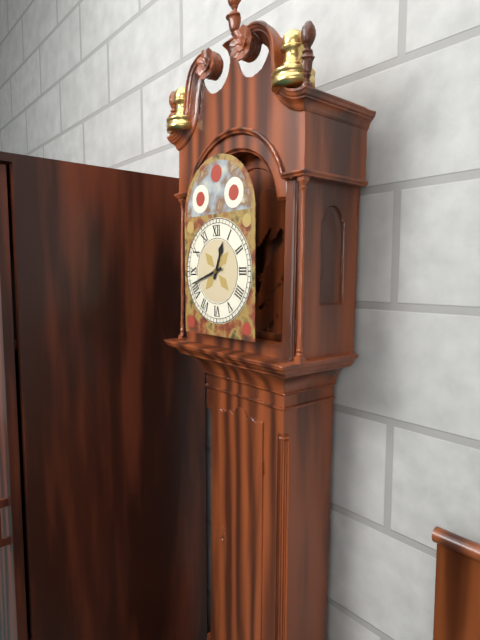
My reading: 12:42
